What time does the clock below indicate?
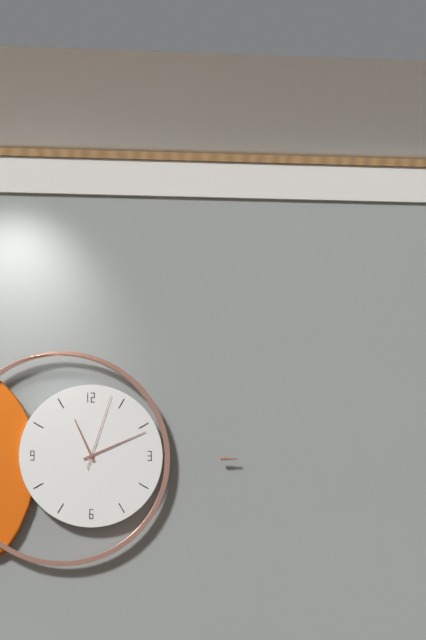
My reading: 11:11:03
